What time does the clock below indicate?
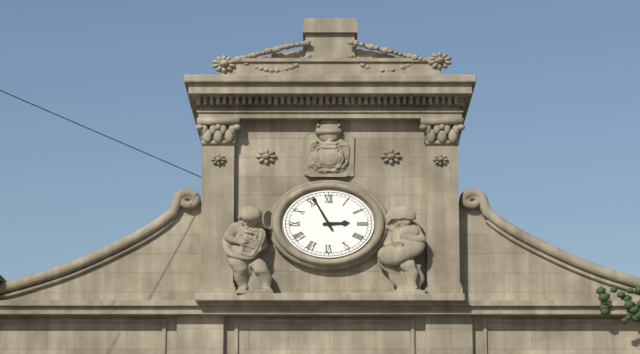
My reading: 2:55
